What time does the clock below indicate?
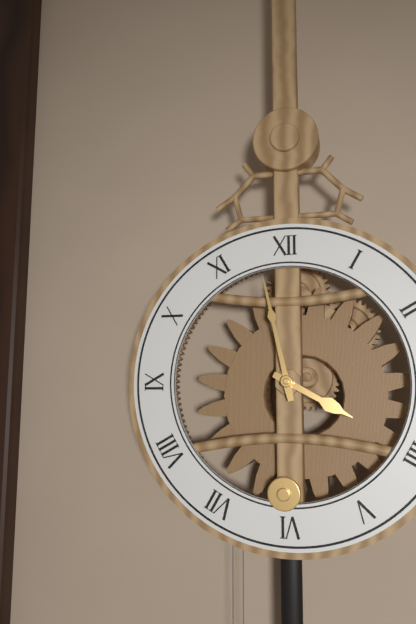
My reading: 3:58
